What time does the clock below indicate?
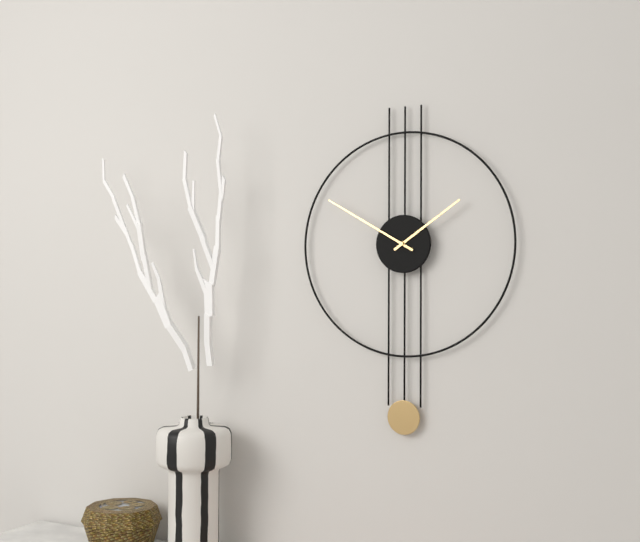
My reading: 1:50
